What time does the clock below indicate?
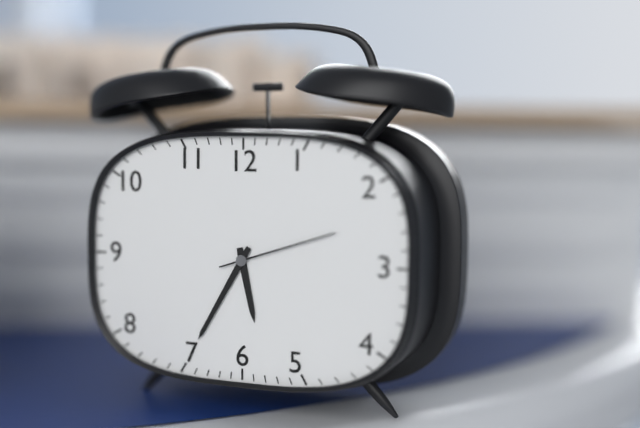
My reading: 5:35:12
